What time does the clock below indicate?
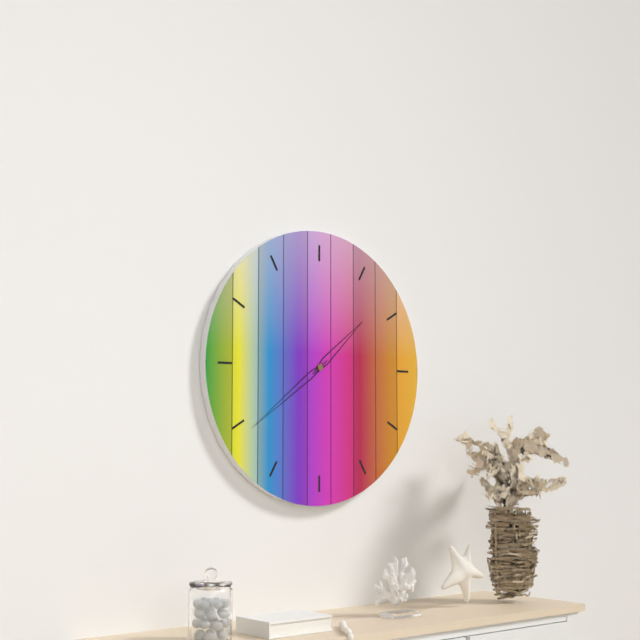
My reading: 1:39
